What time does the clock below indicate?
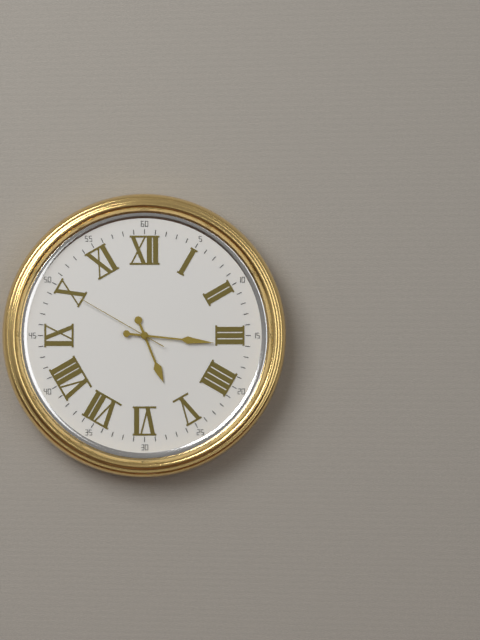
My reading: 5:16:50
